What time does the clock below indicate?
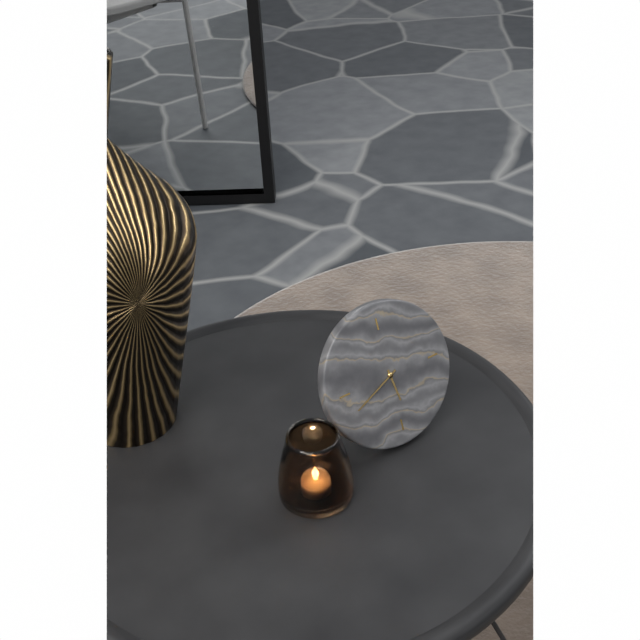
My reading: 5:41
